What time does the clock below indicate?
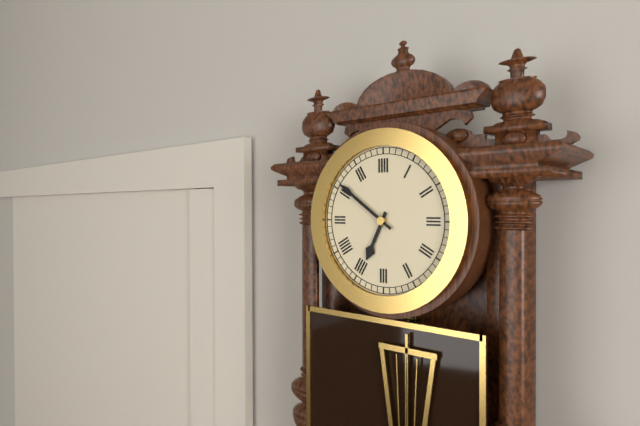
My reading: 6:51
